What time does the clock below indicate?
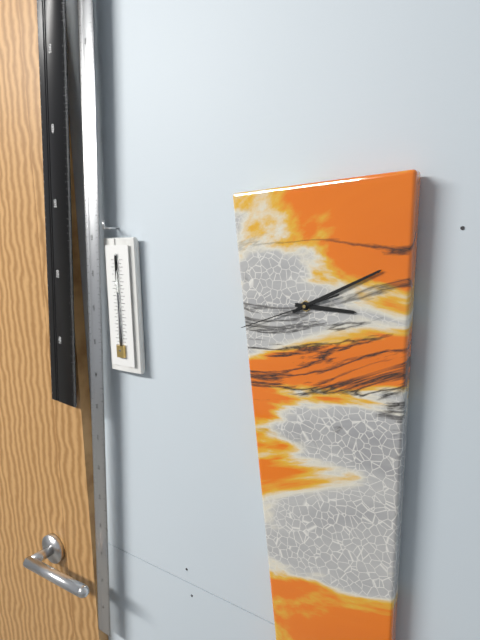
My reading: 3:11:42
